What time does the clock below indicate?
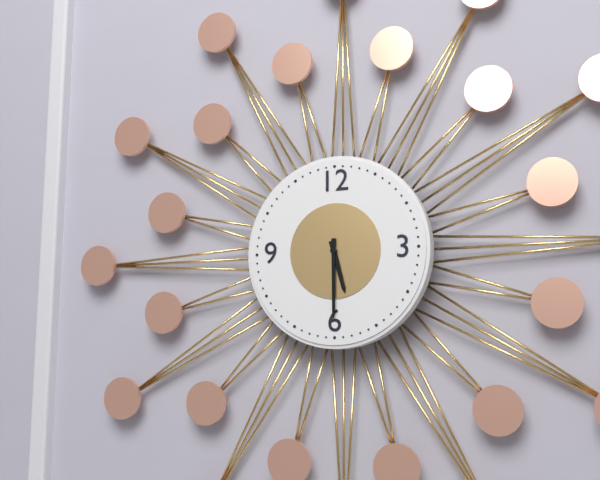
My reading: 5:30
